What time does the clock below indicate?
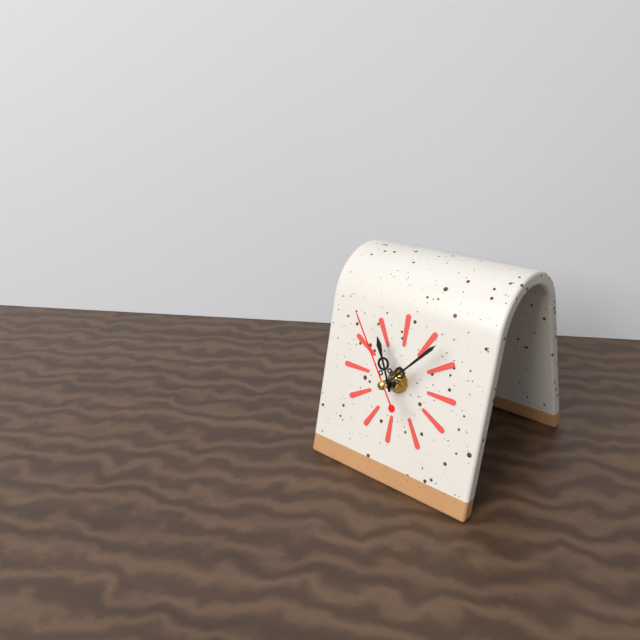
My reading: 11:07:54
